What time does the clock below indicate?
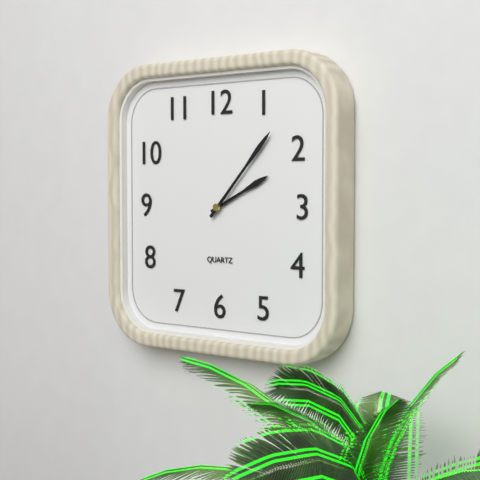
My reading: 2:07
